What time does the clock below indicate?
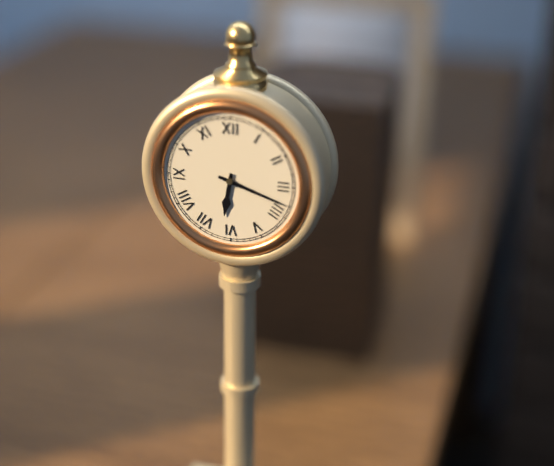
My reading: 6:18
